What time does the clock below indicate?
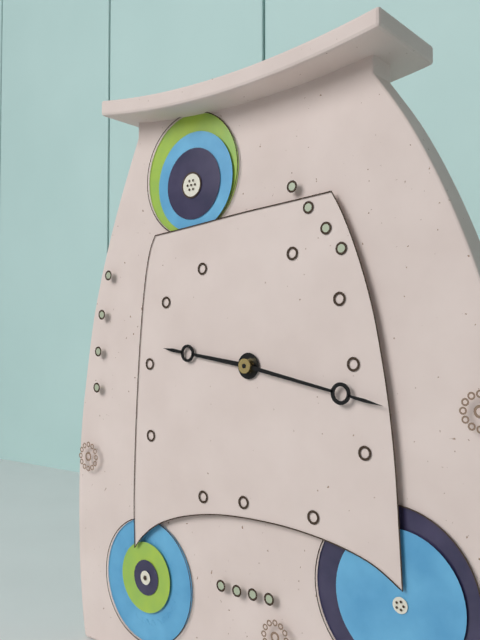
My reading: 9:17
